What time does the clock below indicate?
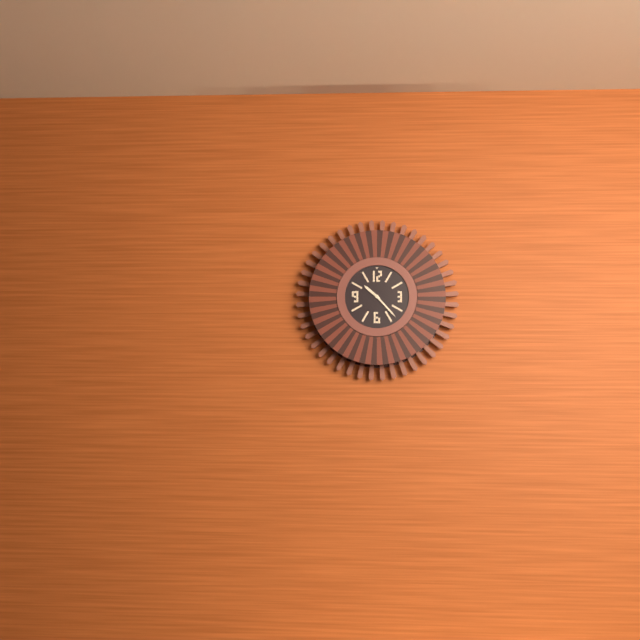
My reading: 10:23
